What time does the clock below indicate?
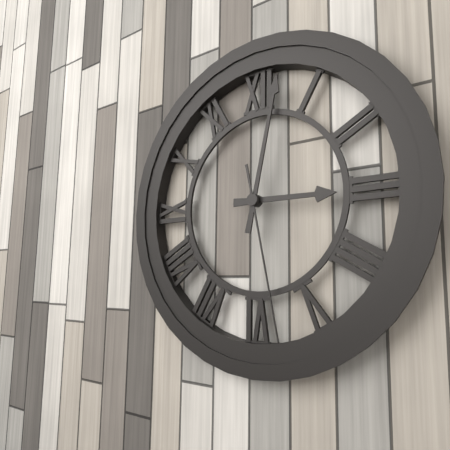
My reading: 3:02:28
